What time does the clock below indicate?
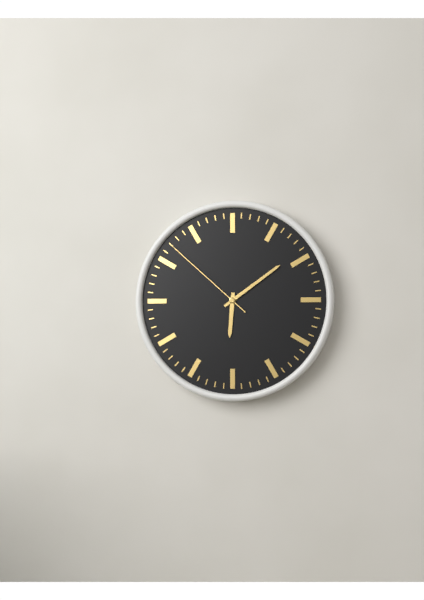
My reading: 6:09:52
